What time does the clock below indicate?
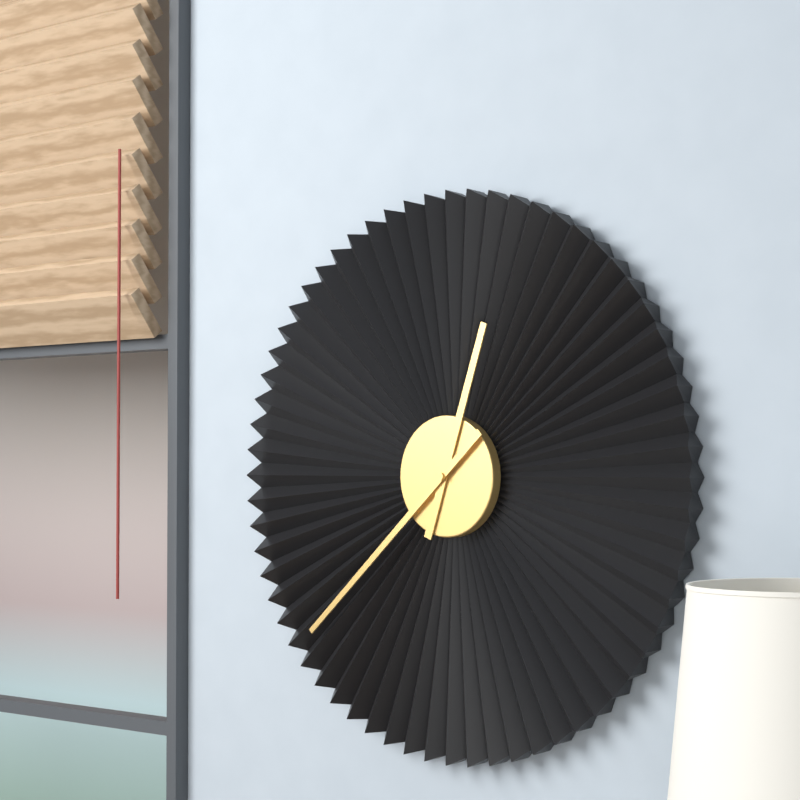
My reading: 12:38
